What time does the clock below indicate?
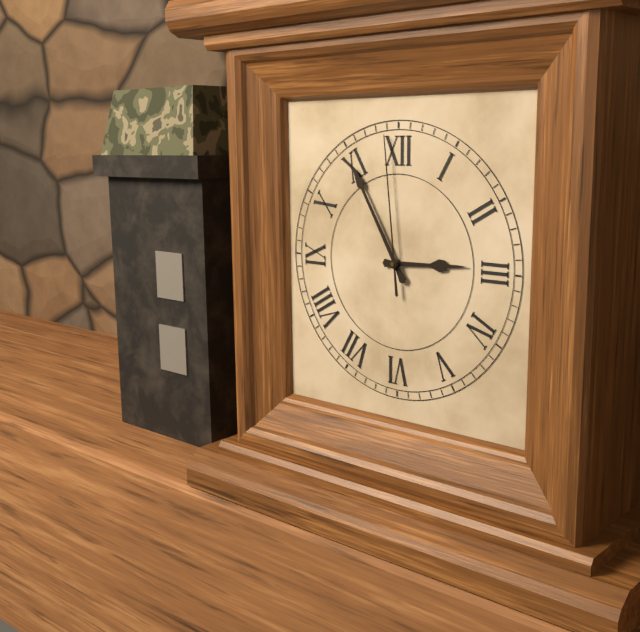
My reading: 2:55:59
